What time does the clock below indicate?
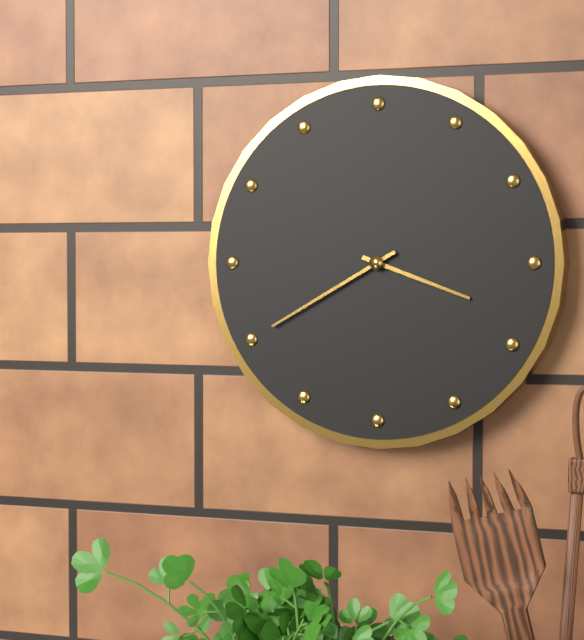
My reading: 3:40
